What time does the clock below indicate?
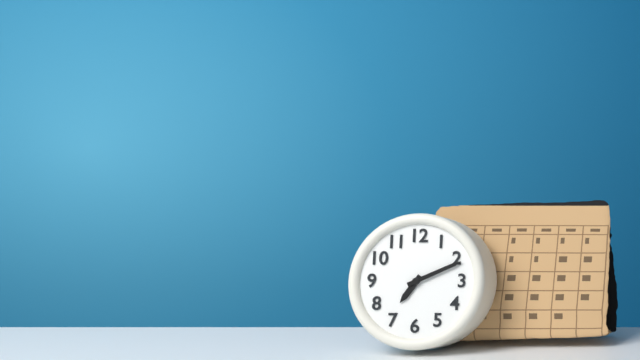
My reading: 7:11
